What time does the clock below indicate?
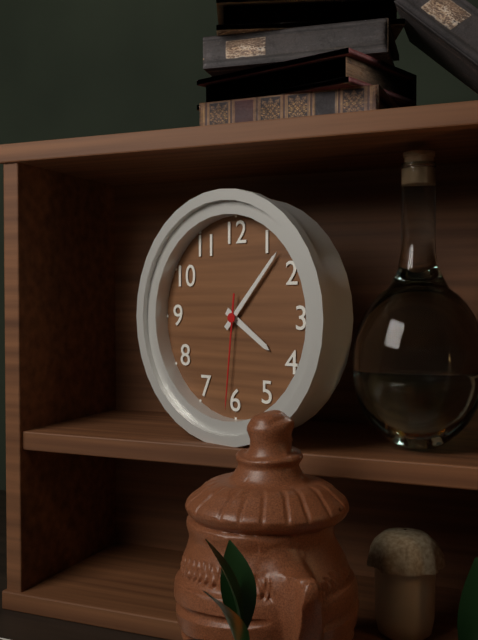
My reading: 4:07:31
